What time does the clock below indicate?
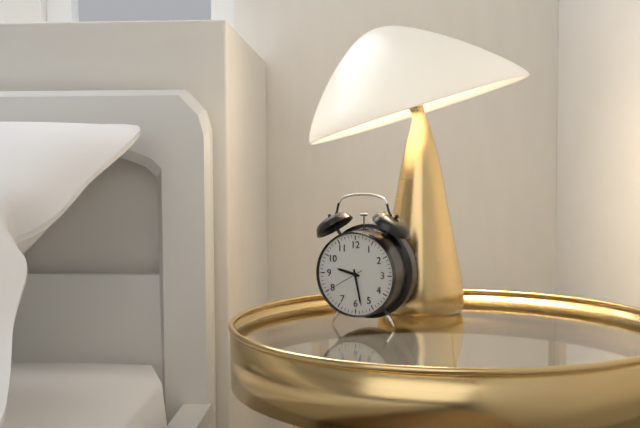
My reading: 9:28
